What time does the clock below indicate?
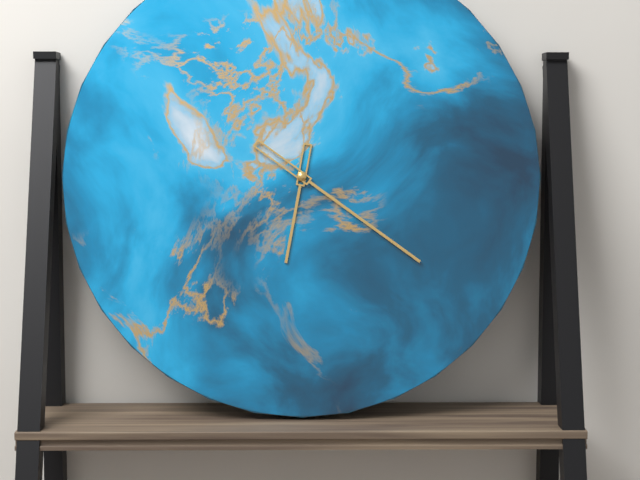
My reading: 6:21
